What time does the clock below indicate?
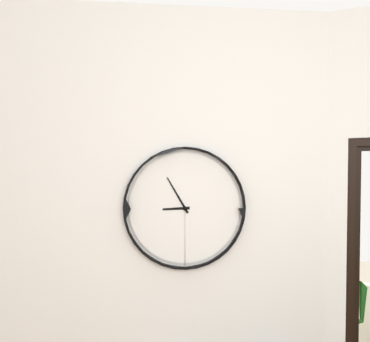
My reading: 8:55
